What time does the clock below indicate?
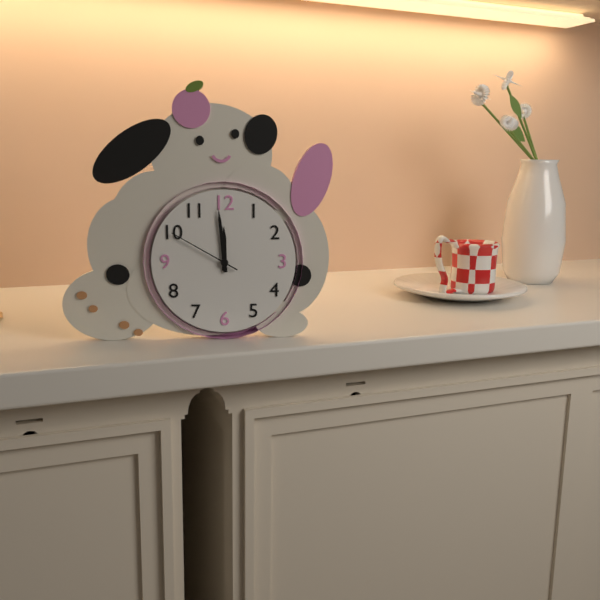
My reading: 11:59:50
